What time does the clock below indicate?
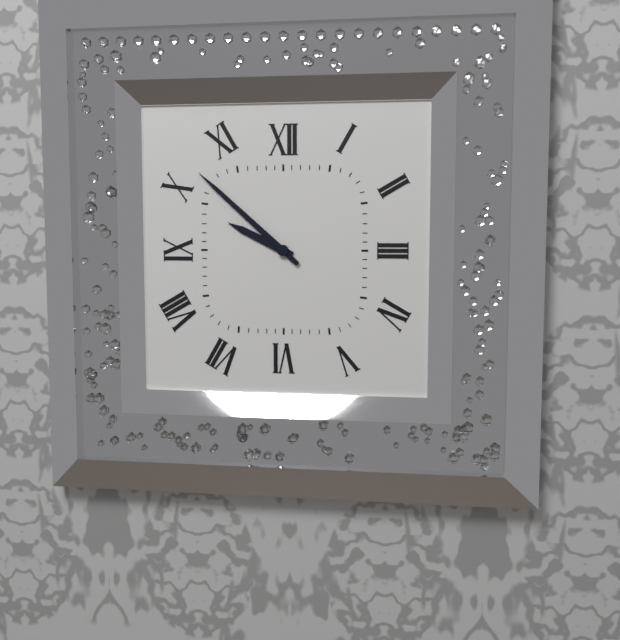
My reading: 9:52
